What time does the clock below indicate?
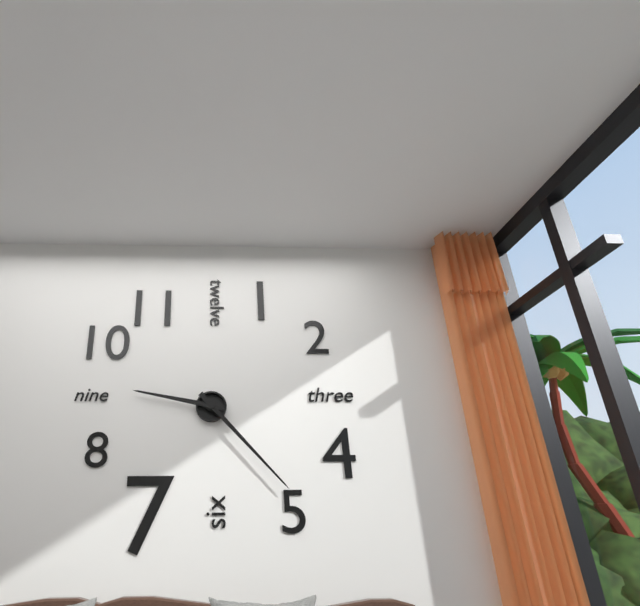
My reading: 9:23
